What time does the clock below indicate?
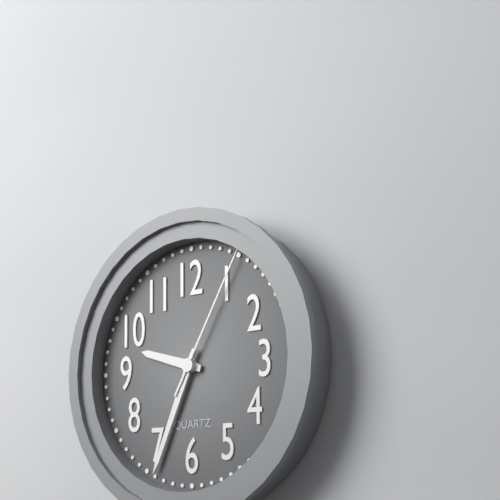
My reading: 9:34:05
